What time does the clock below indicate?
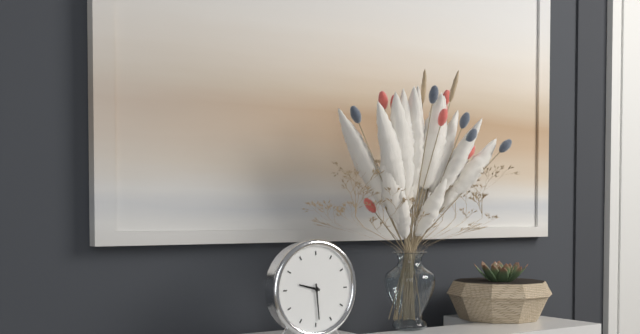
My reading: 9:29
